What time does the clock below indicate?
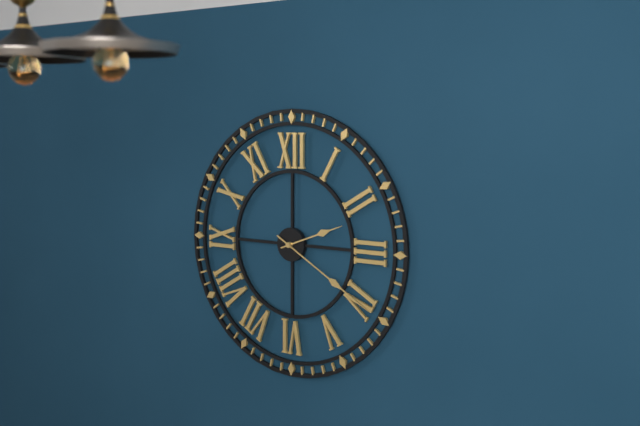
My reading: 2:20
